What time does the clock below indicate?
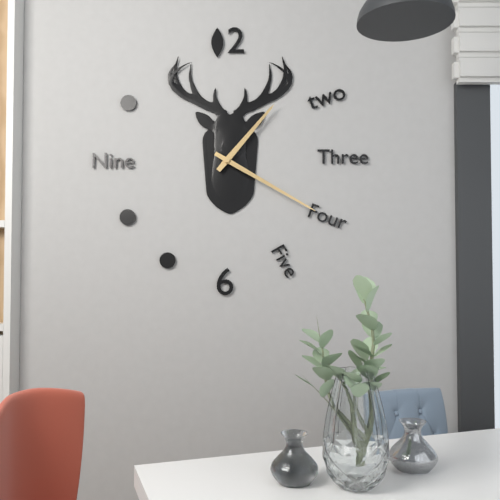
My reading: 1:20
